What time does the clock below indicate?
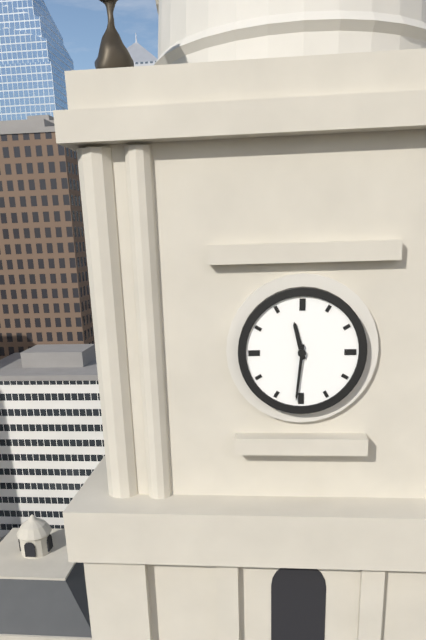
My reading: 11:31
